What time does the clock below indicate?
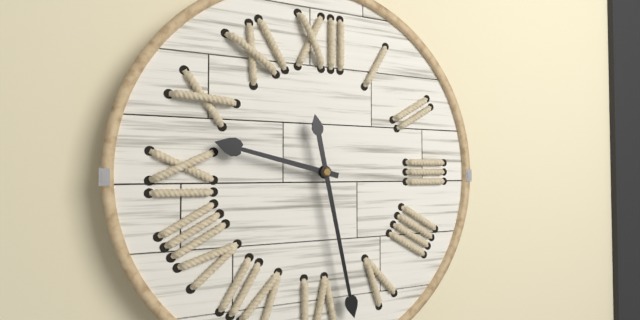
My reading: 9:28
